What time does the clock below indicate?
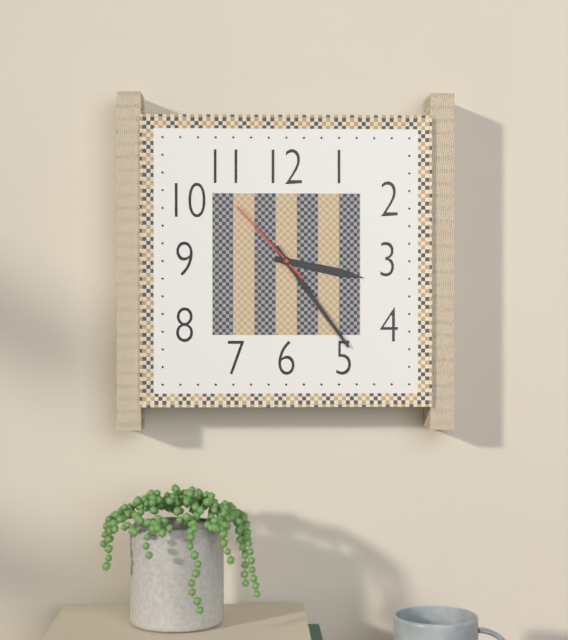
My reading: 3:24:53
